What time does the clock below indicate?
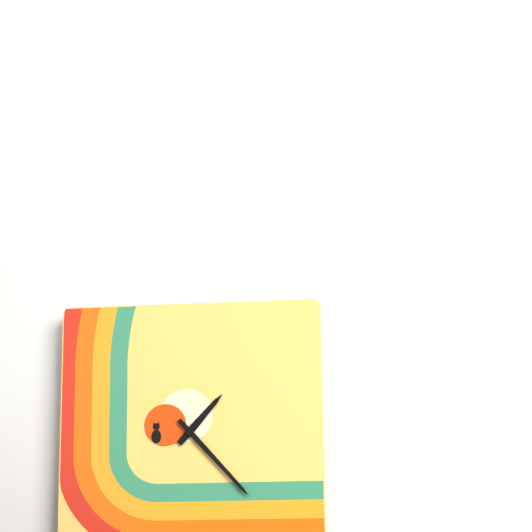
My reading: 1:23
